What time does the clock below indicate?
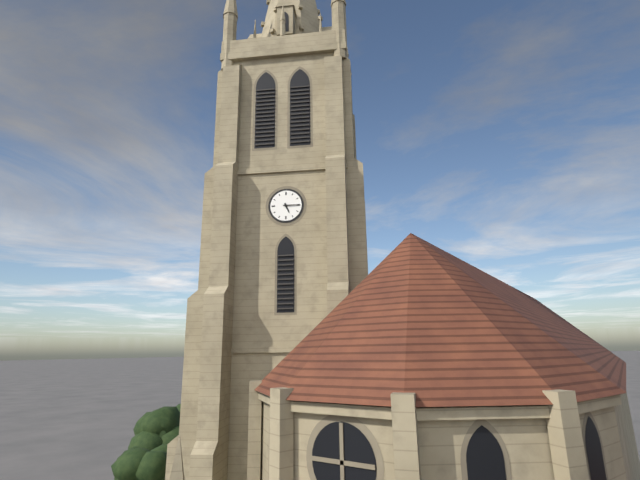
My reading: 5:15
